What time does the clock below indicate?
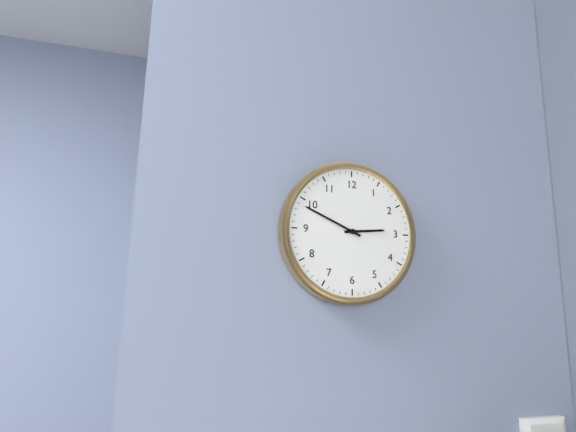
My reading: 2:49
